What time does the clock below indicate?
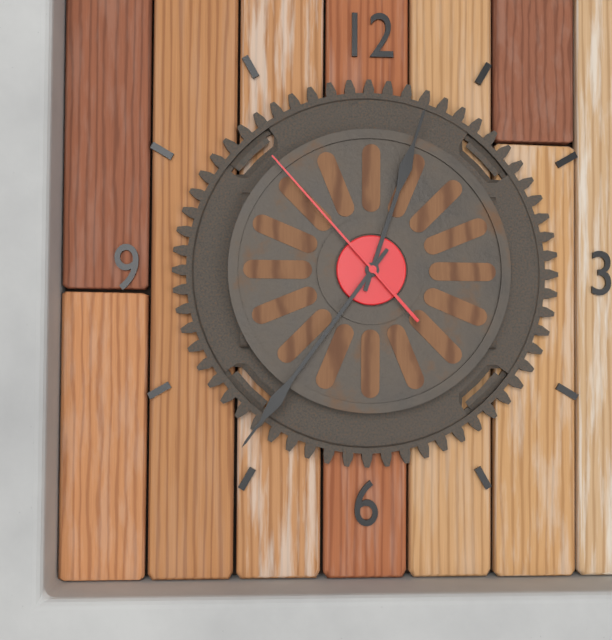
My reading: 12:36:53
